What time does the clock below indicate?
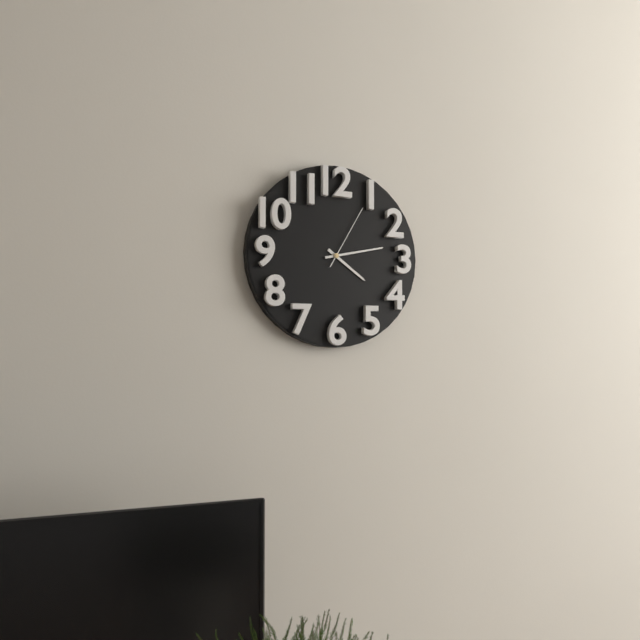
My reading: 4:13:05
